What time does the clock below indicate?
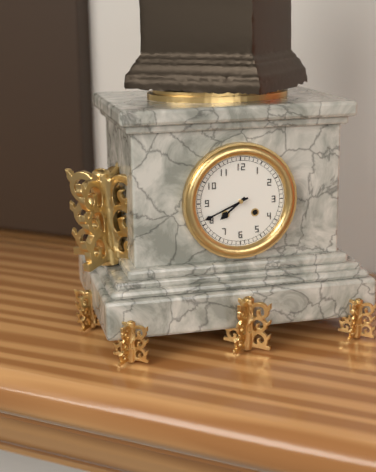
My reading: 7:41
